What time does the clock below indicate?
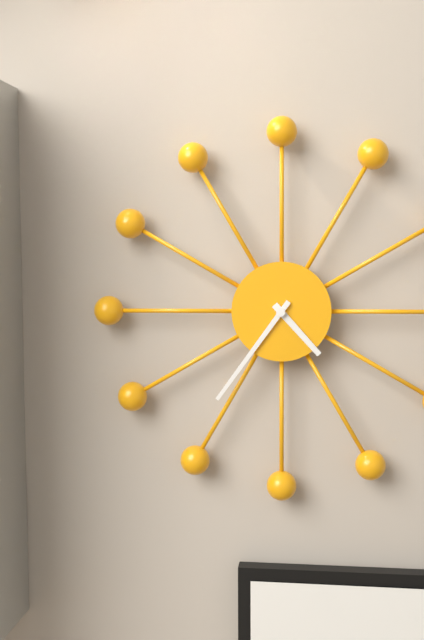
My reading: 4:36
